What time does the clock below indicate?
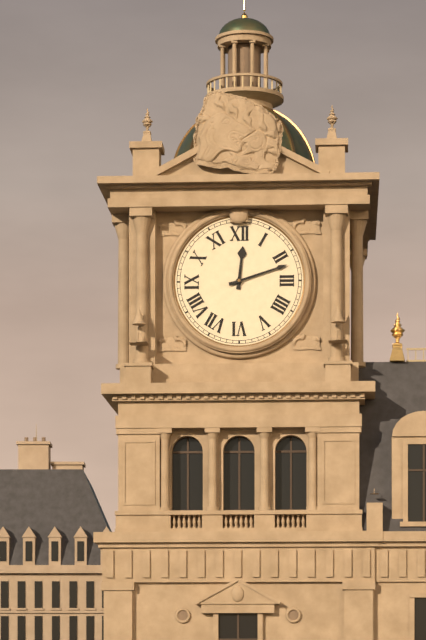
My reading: 12:12
